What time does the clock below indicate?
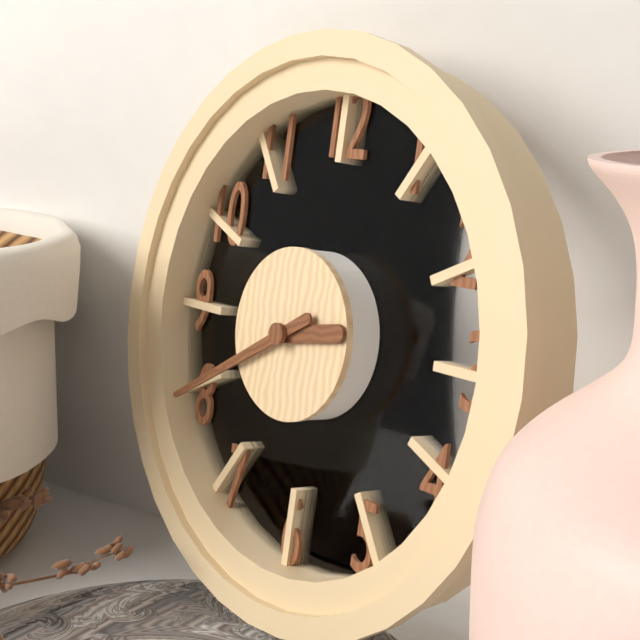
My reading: 2:40
